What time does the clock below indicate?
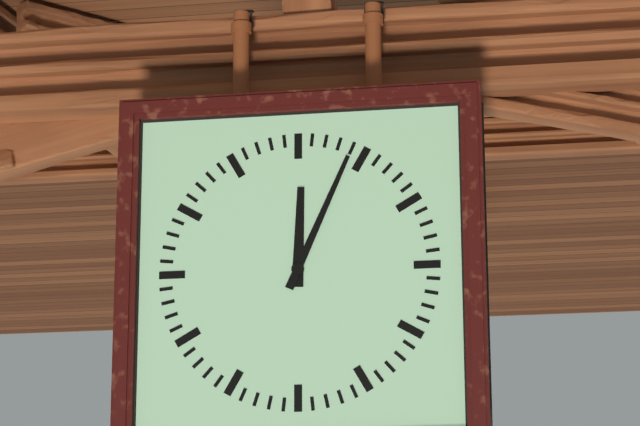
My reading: 12:04
